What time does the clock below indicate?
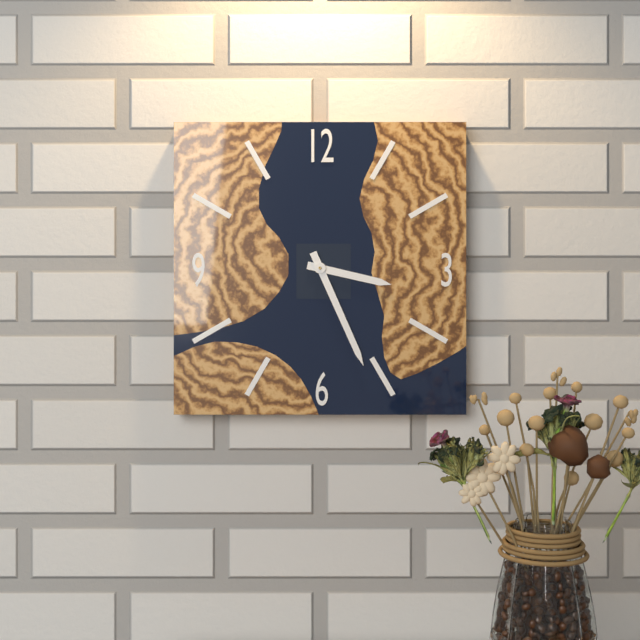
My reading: 3:26
